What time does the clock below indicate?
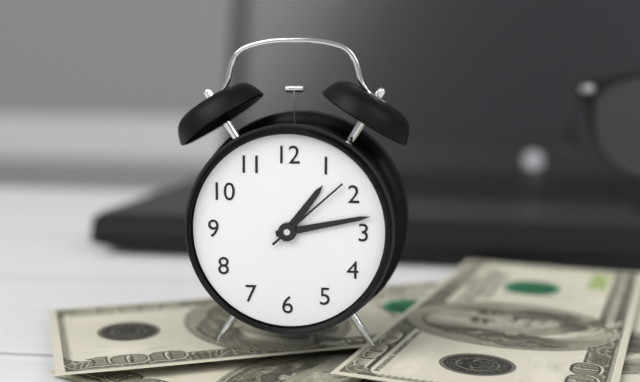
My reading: 1:13:08
